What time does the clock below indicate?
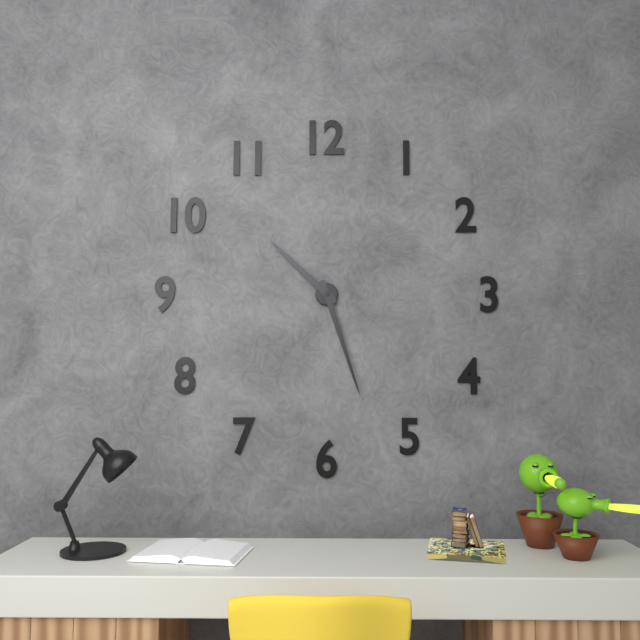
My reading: 10:27
